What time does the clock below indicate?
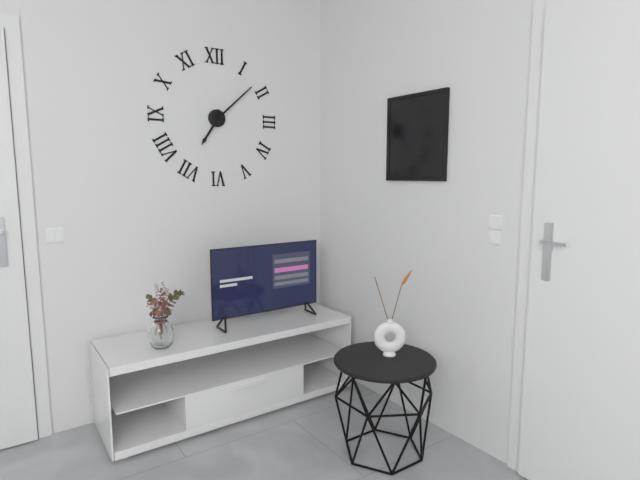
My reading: 7:08
